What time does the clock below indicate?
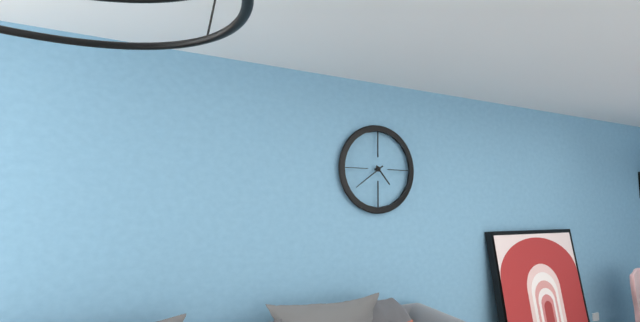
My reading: 4:39
